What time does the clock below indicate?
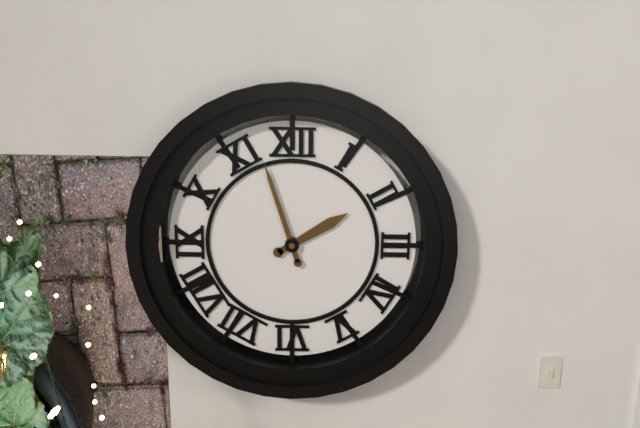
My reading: 1:57
